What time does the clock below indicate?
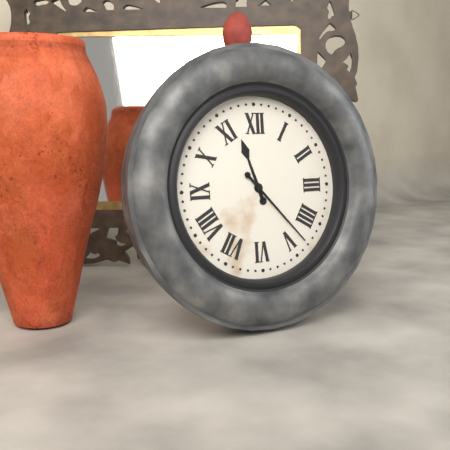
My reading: 11:23
